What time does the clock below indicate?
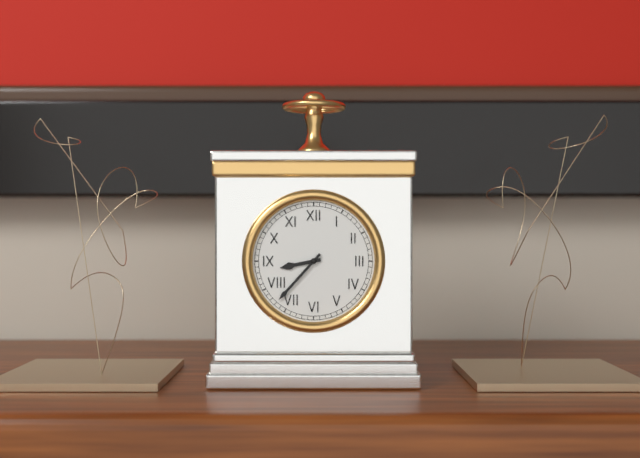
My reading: 8:37
